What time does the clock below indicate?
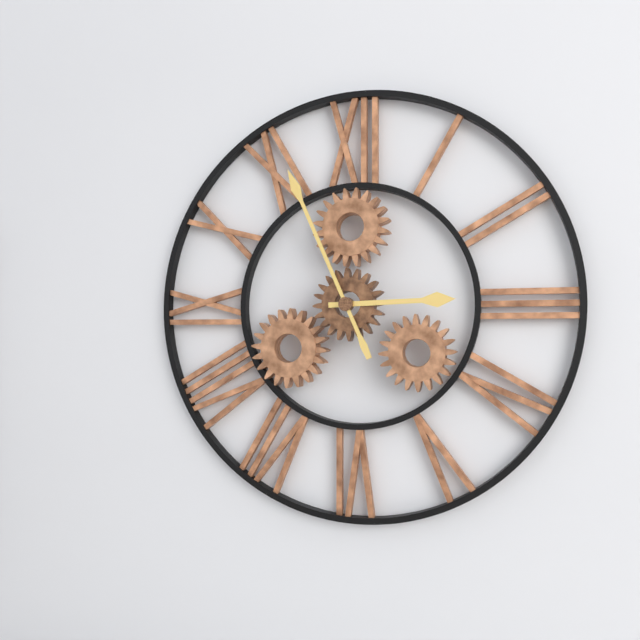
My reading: 2:56
